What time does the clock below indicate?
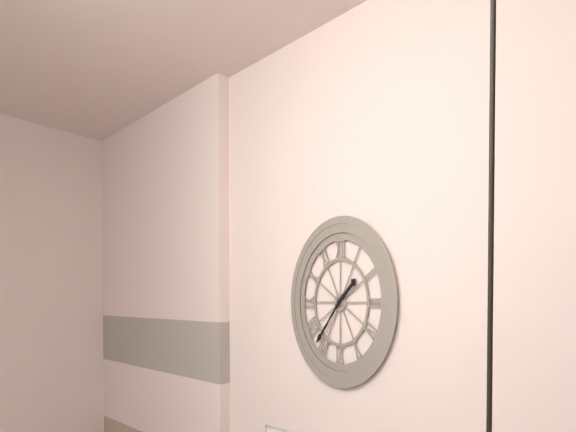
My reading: 1:37
